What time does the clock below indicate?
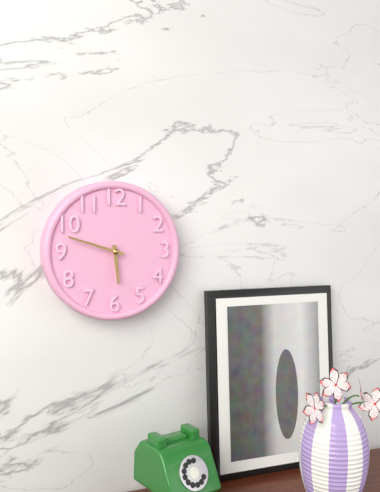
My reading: 5:48
